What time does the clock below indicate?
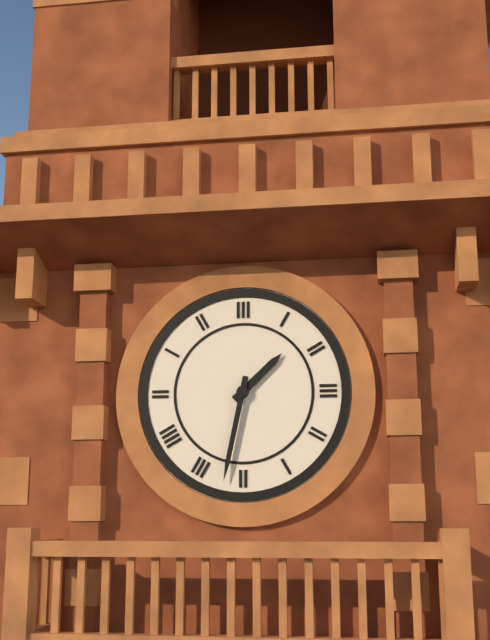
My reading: 1:32
